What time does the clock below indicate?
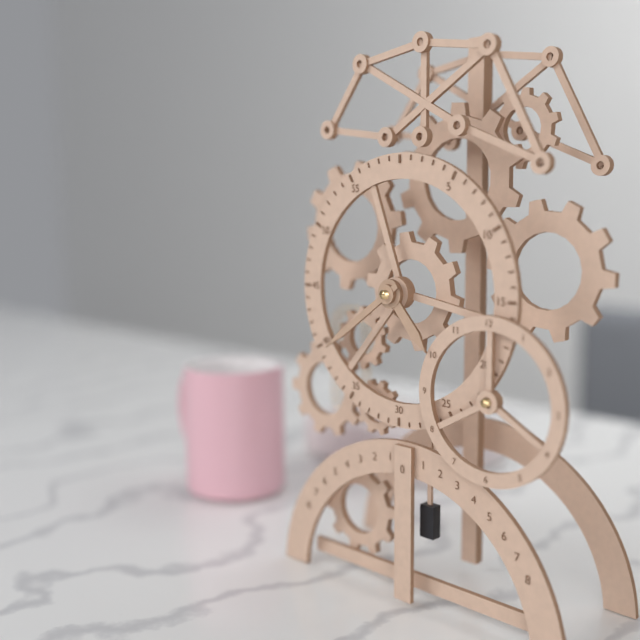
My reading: 4:39
